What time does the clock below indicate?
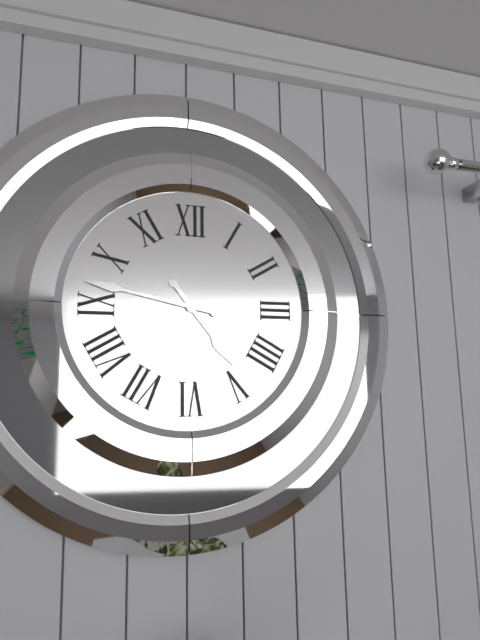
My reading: 4:47
